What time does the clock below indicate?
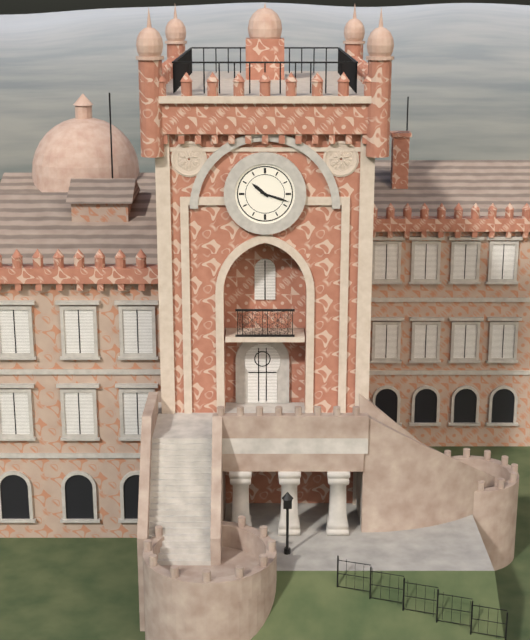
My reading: 10:18
